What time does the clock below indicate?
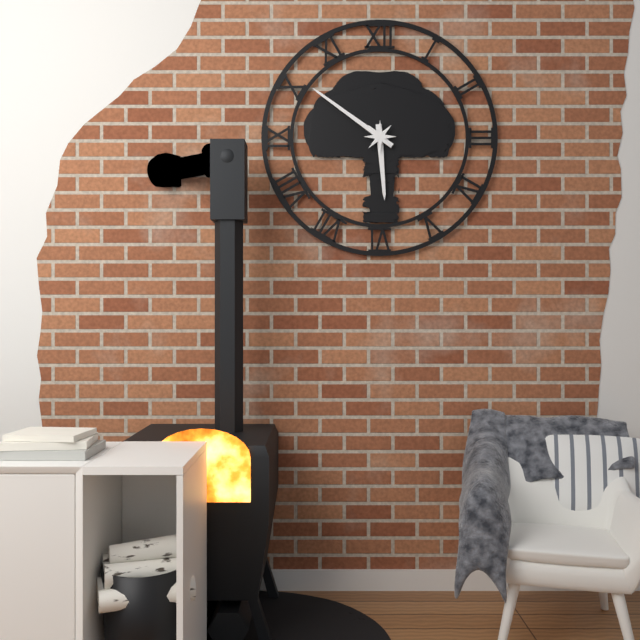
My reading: 5:51
